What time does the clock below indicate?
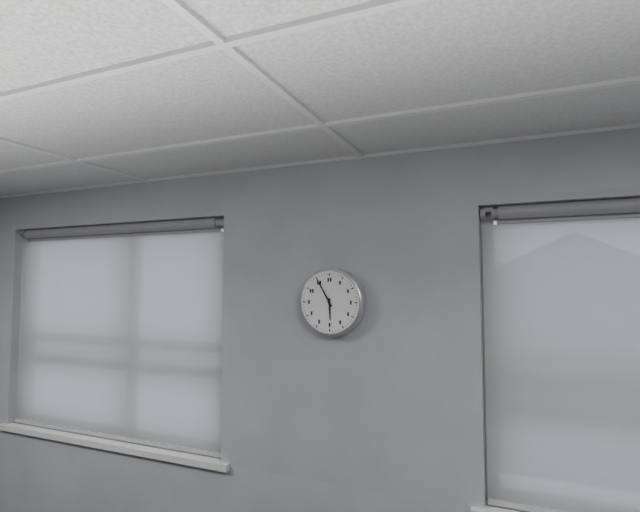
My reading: 5:55
